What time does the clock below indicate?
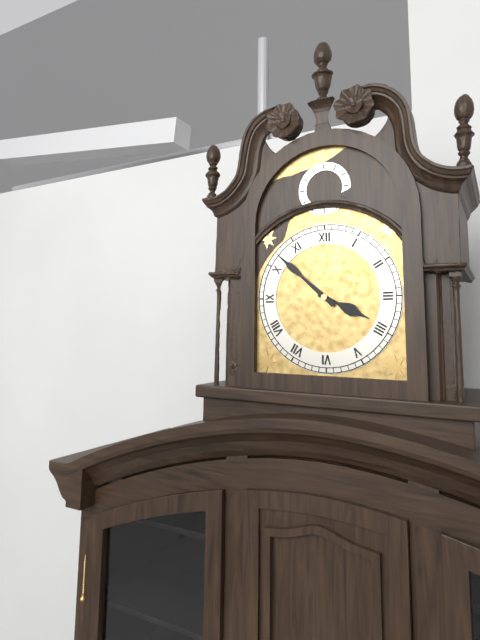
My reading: 3:52
